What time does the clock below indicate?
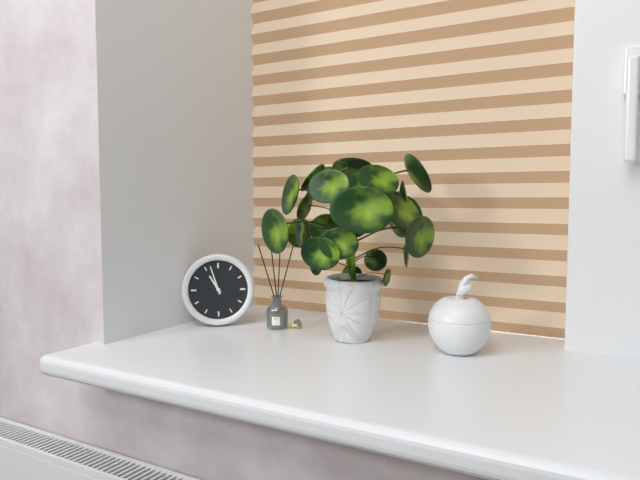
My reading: 10:57
